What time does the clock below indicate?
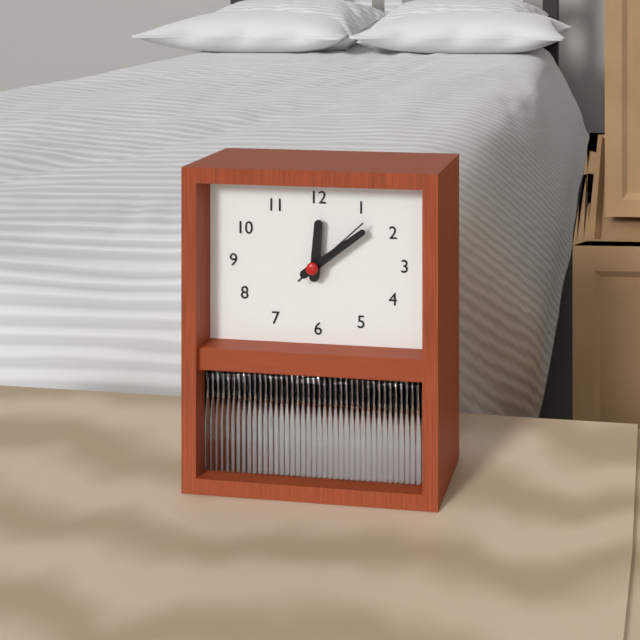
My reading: 12:09:08
